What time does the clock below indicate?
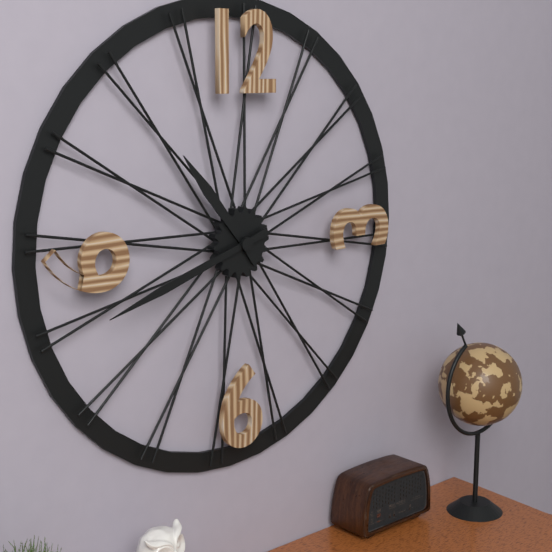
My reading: 10:42
